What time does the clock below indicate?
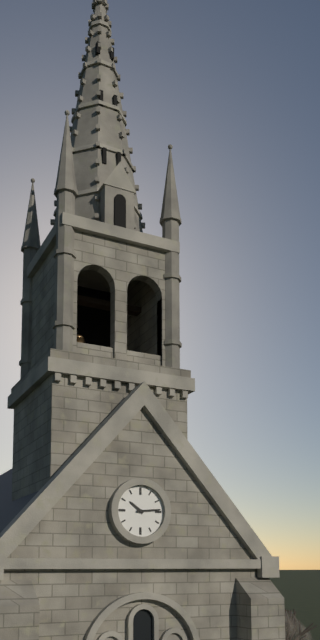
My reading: 10:14
